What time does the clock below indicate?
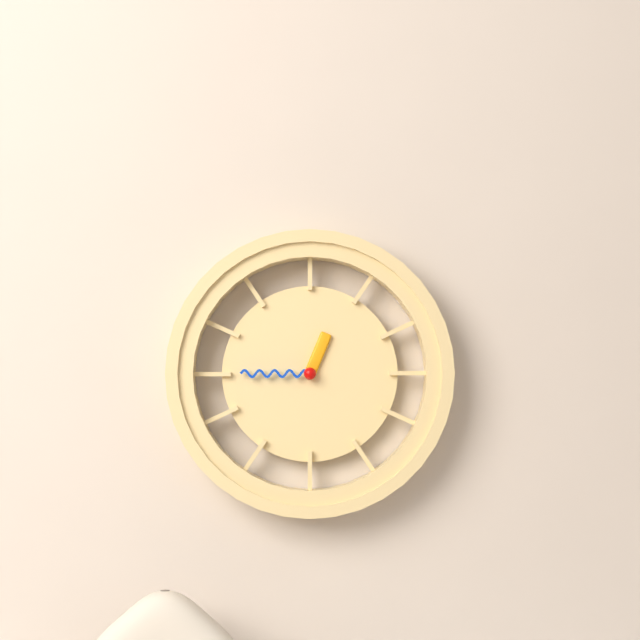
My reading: 12:45
